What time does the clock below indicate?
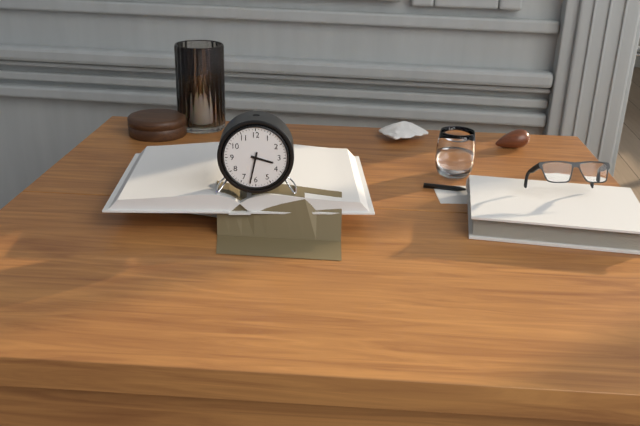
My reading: 3:32
